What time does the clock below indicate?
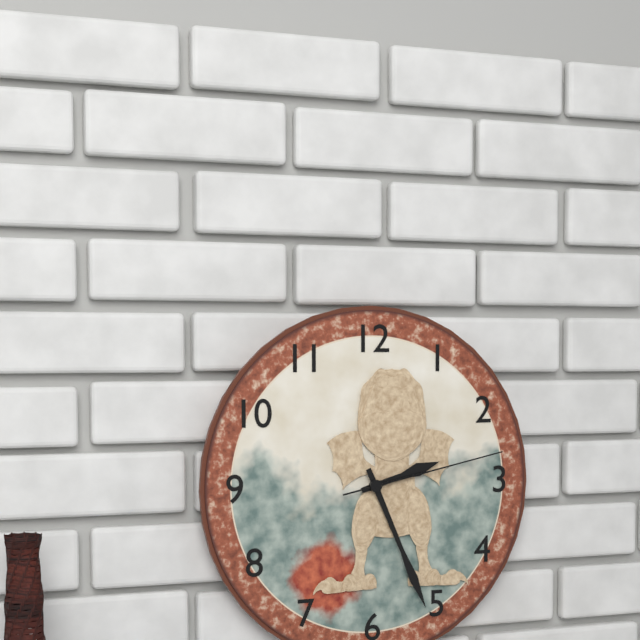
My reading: 2:26:13
